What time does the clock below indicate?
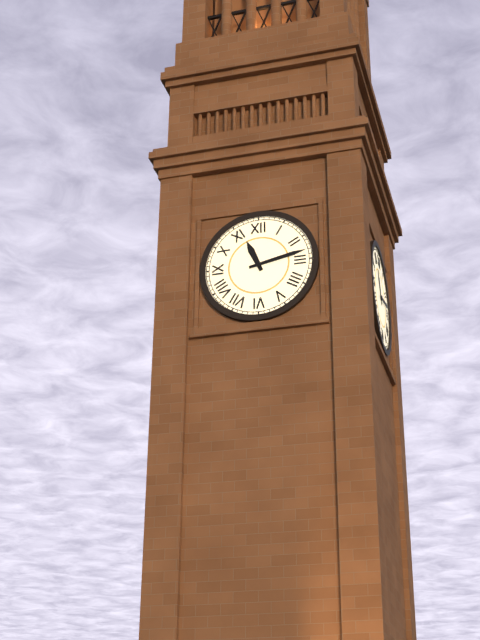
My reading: 11:13
